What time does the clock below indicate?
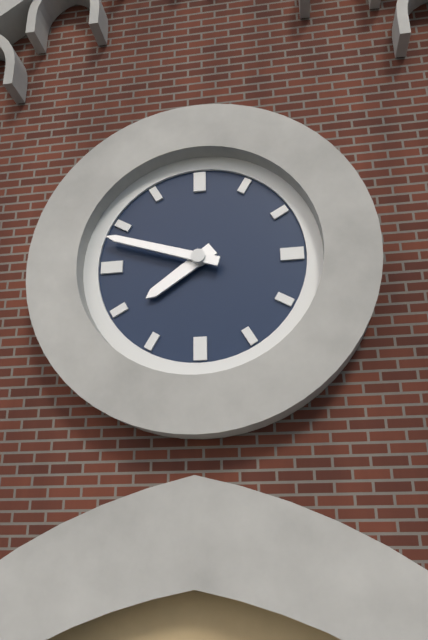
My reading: 7:48
